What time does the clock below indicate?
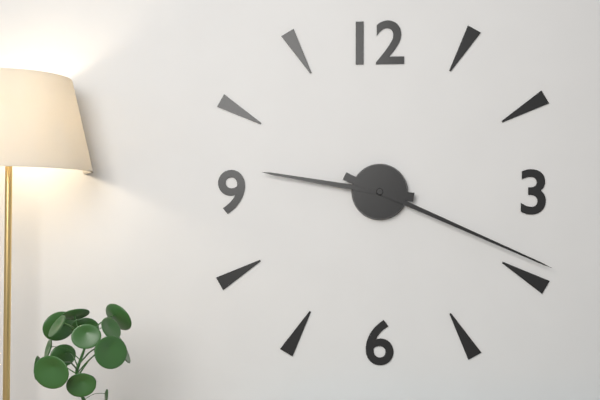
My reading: 9:19
